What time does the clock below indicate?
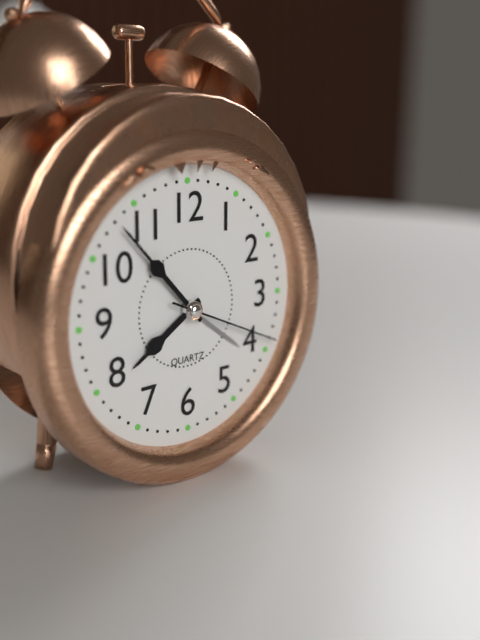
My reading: 7:53:19
